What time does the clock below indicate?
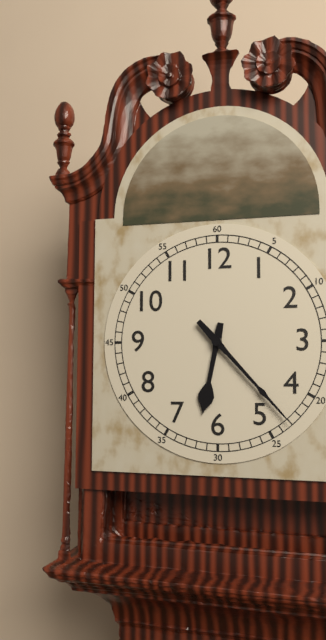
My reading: 6:23
